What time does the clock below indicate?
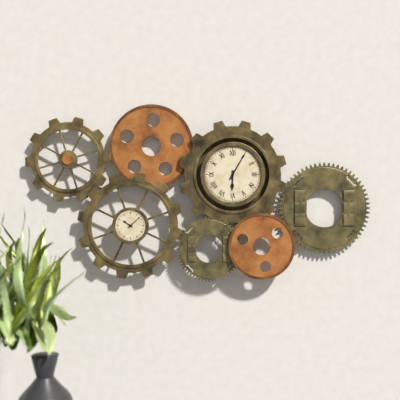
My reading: 6:05
